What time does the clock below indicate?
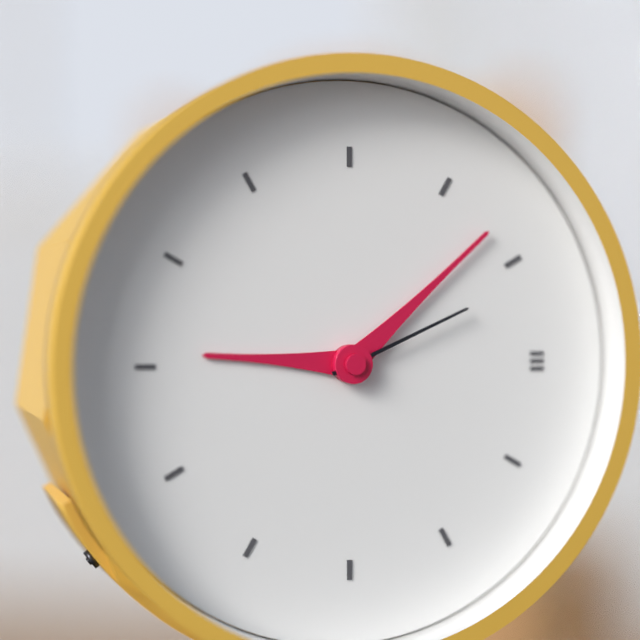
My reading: 9:08:11
